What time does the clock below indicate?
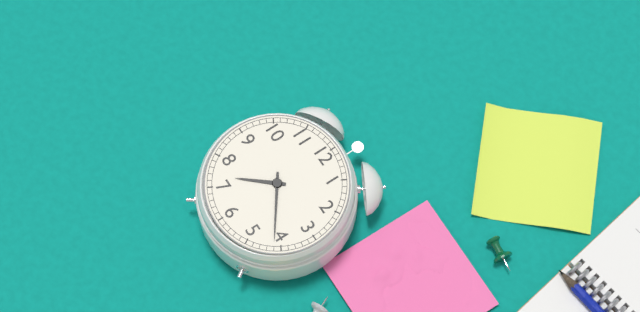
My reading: 7:21
